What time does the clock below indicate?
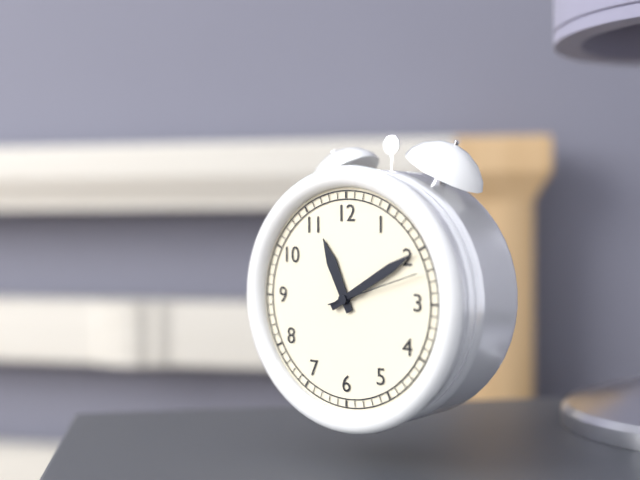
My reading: 11:10:12
